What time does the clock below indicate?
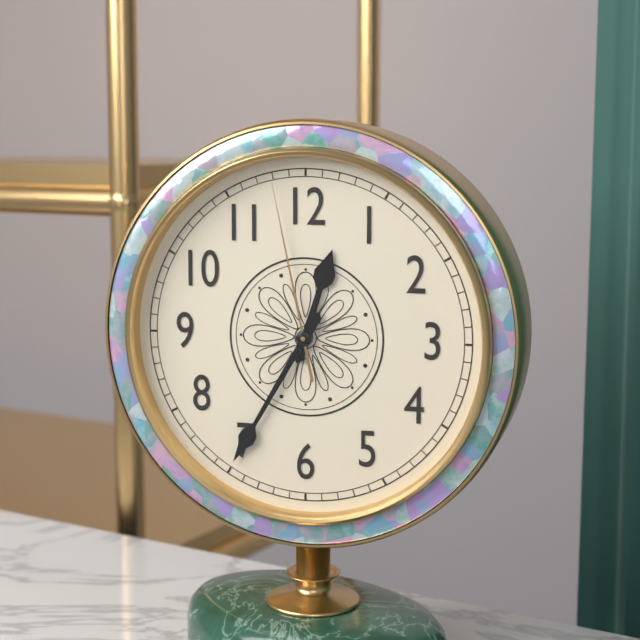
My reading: 12:35:58
